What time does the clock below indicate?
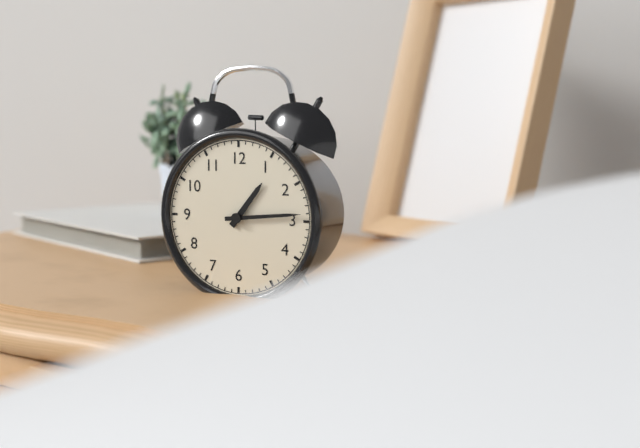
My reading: 1:14
